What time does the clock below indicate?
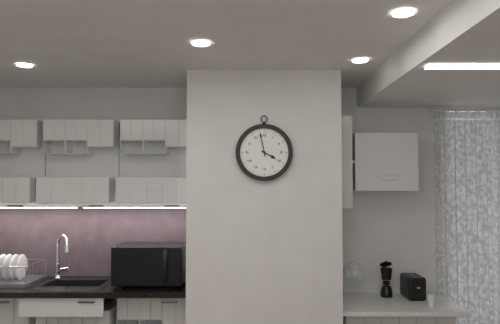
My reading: 3:58
